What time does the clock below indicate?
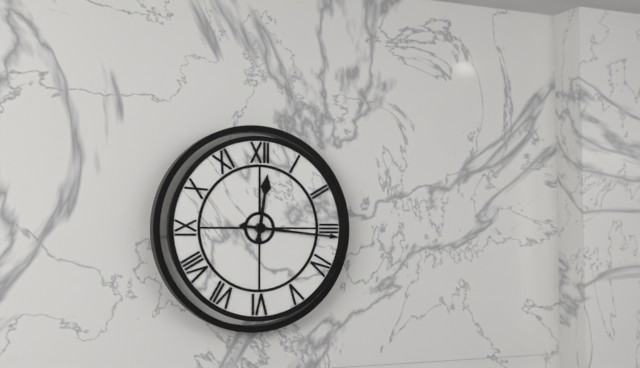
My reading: 12:16
